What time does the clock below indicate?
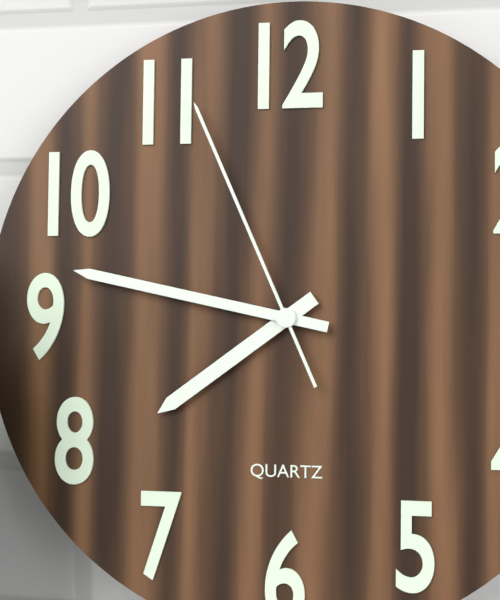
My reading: 7:47:56
